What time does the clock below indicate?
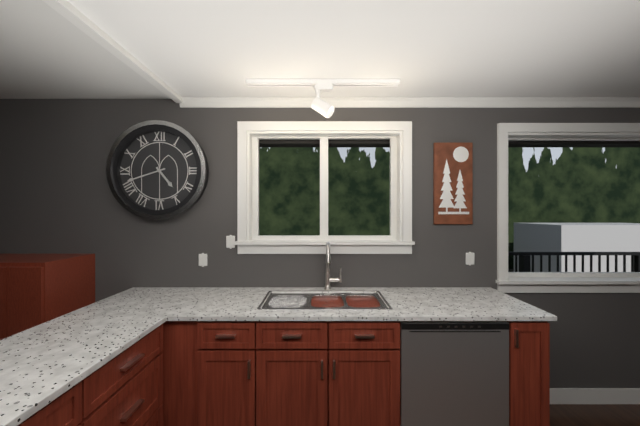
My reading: 4:42
